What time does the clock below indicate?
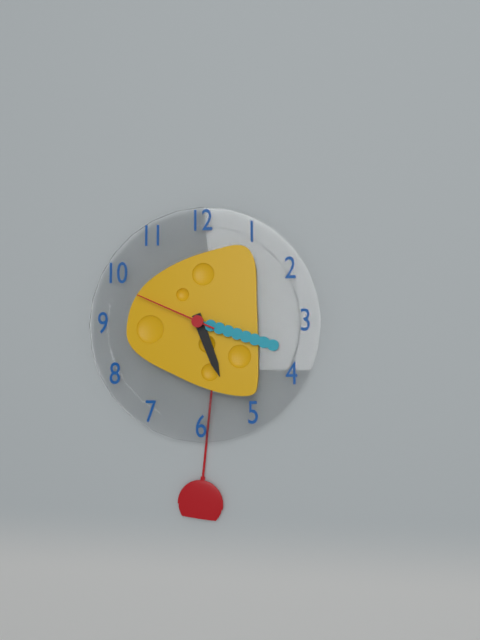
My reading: 5:18:49
